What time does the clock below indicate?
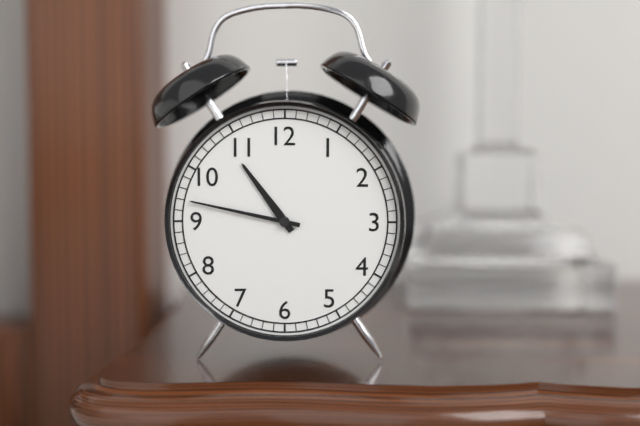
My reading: 10:47
